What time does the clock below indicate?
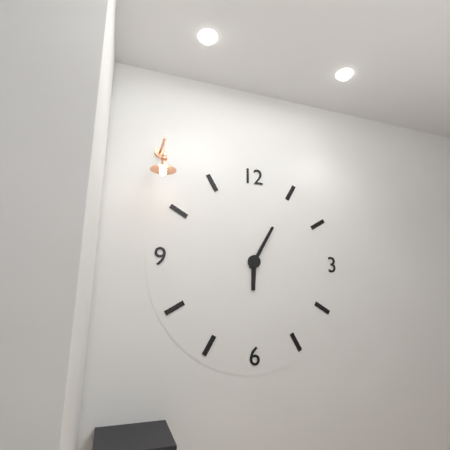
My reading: 6:05
